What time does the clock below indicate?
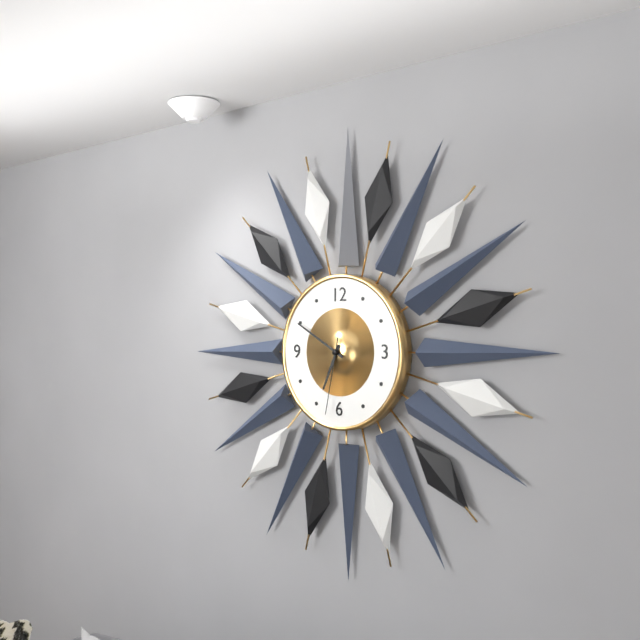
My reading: 6:50:32
